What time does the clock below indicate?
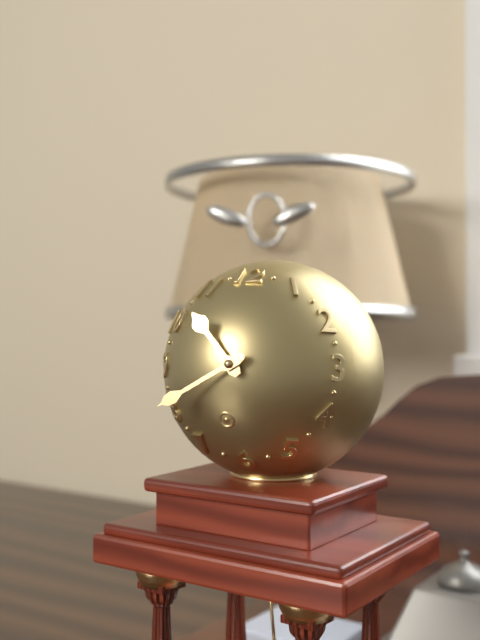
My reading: 10:40
